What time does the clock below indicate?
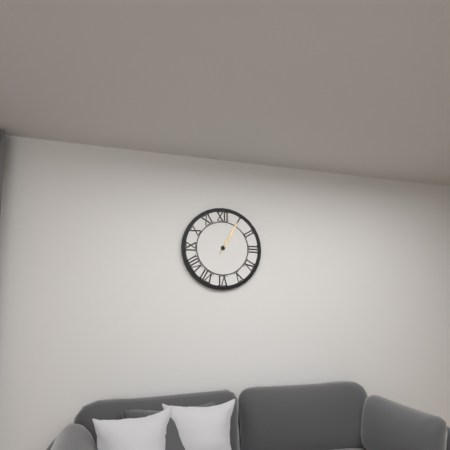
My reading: 1:05
